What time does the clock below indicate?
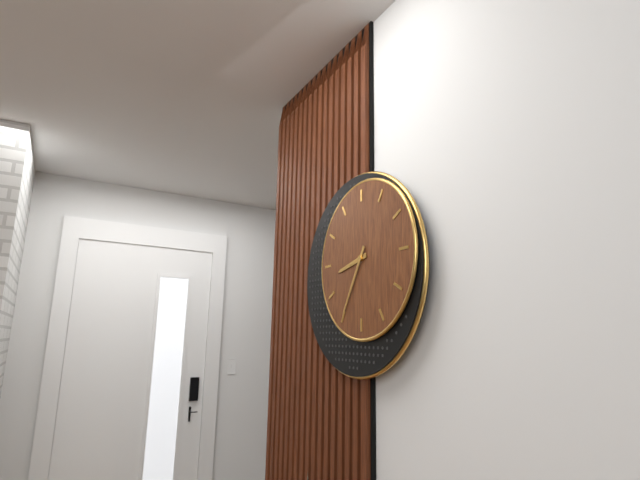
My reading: 8:35
